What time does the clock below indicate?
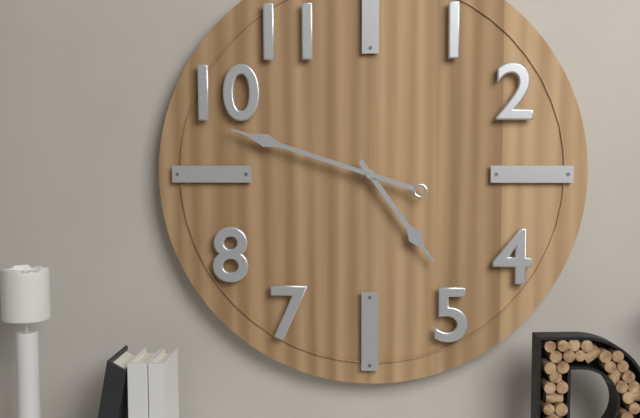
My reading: 4:48
